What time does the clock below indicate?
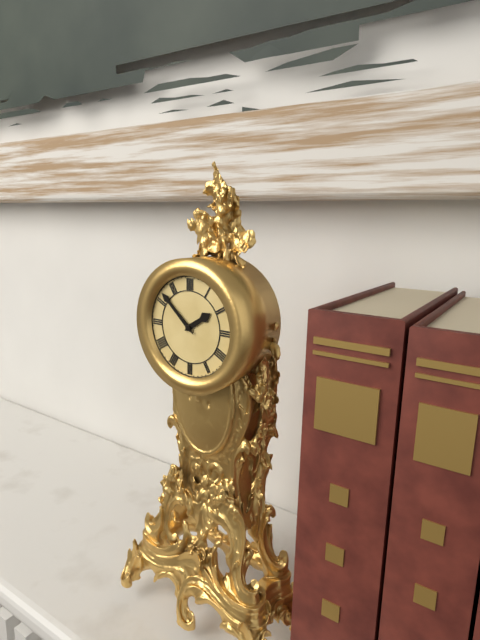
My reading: 1:52
